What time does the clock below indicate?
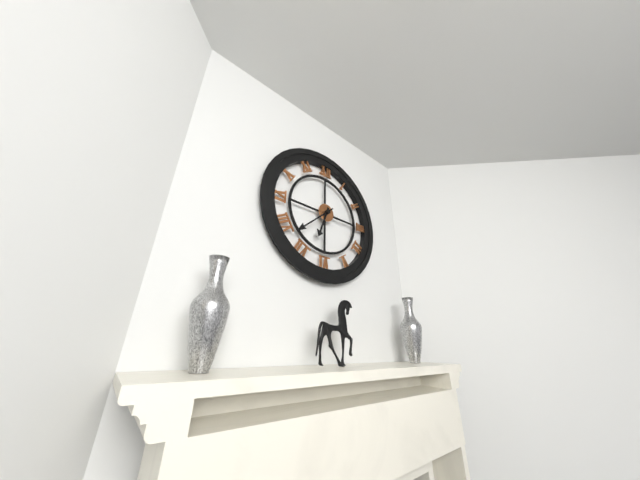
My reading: 6:38
